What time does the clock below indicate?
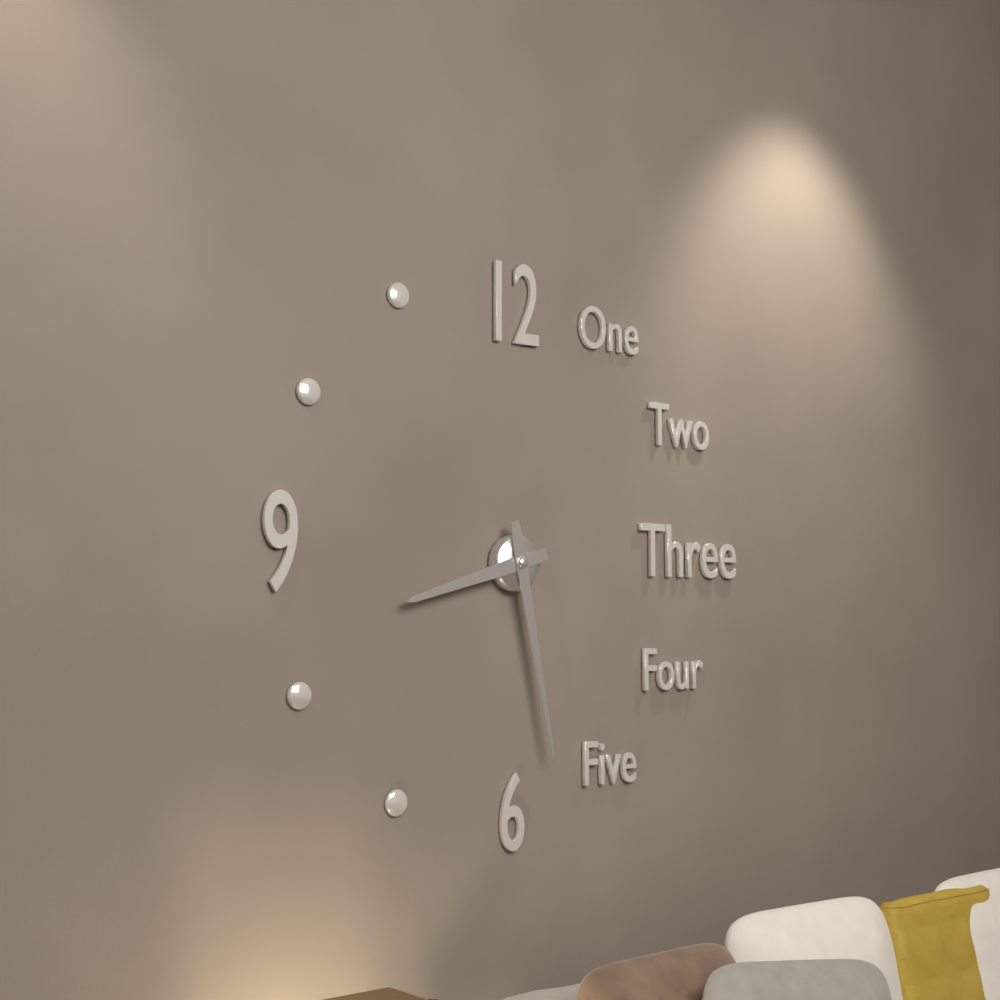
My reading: 8:28
